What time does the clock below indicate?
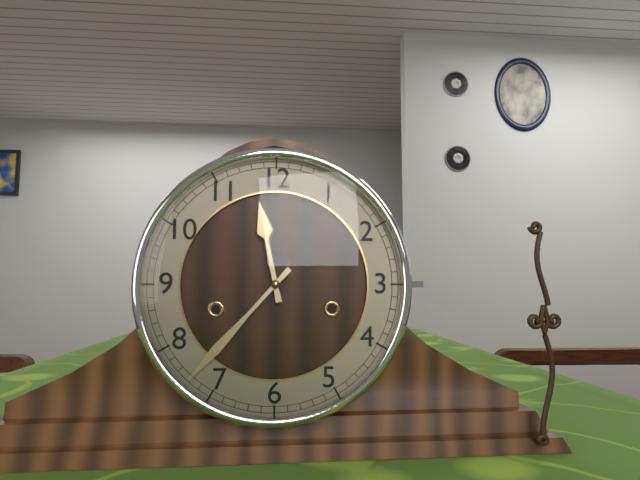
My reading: 11:37
